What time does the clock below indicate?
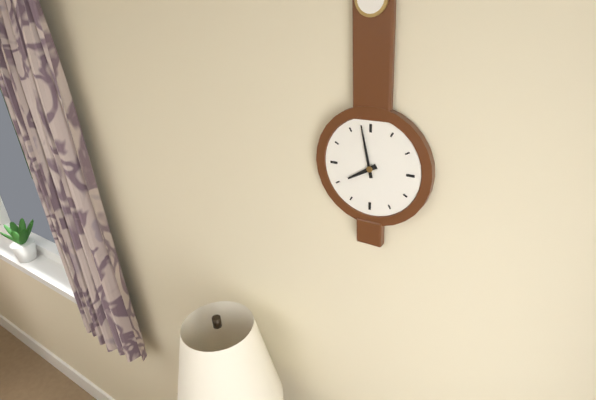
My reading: 7:58
